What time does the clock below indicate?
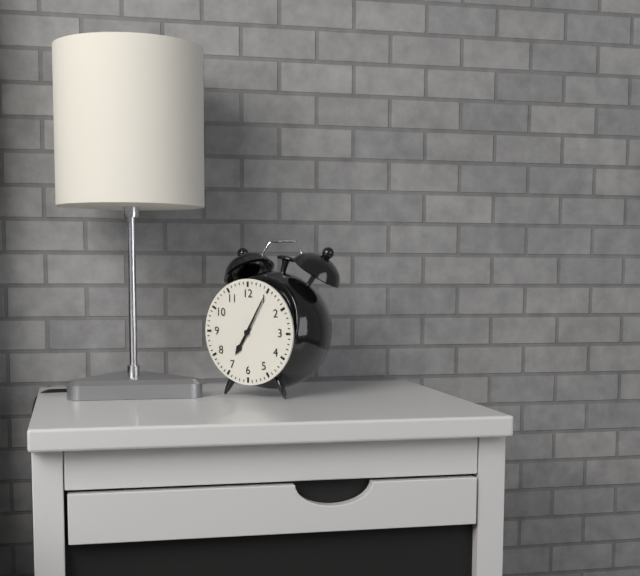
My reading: 7:05
